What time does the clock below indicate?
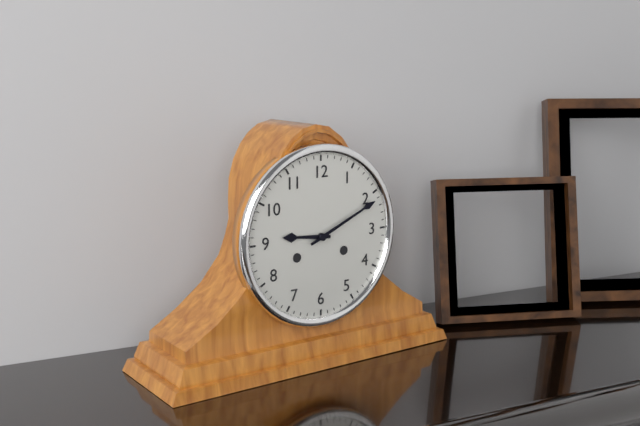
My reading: 9:11
